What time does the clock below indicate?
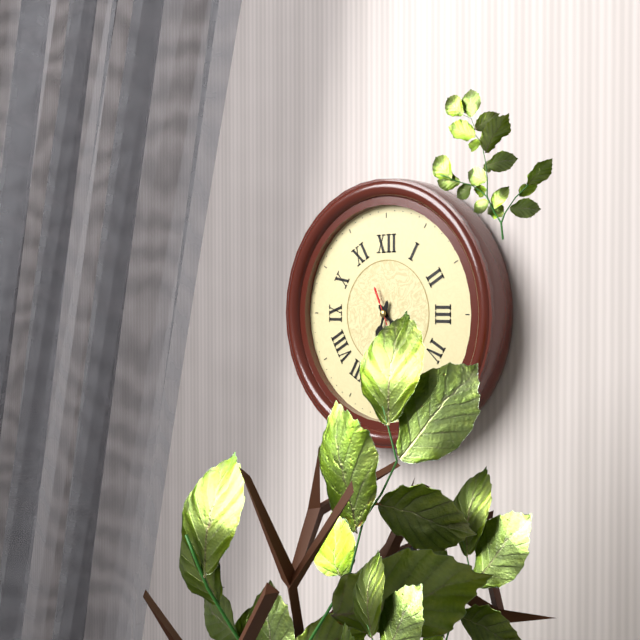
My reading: 4:33:26
